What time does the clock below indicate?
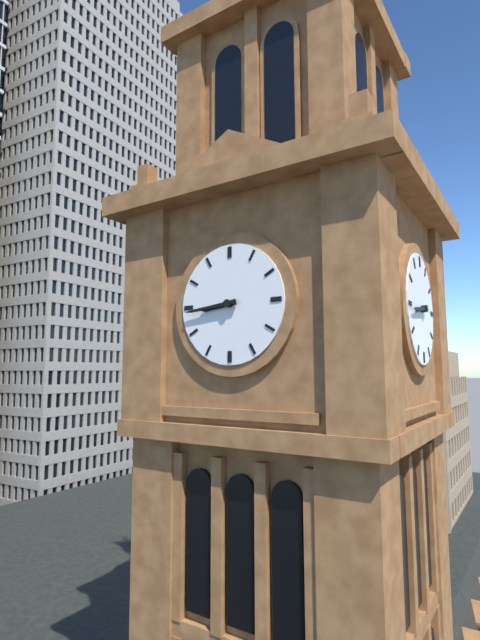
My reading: 8:44
